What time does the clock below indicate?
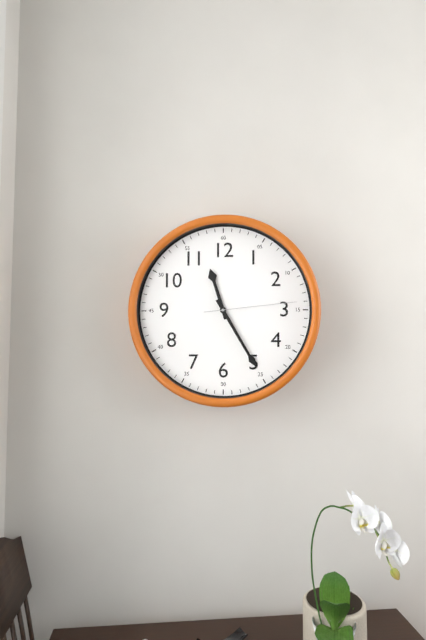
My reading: 11:25:14
